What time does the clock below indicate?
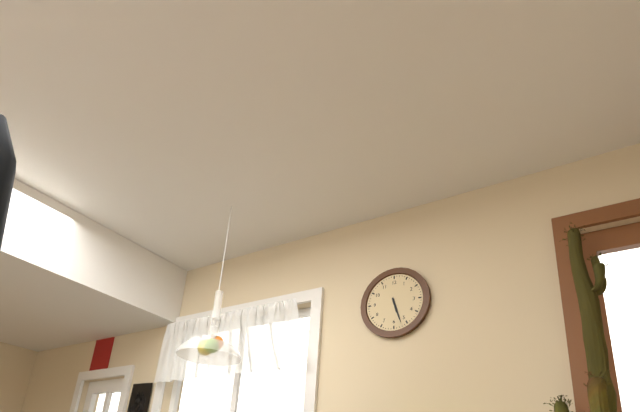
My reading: 5:27
